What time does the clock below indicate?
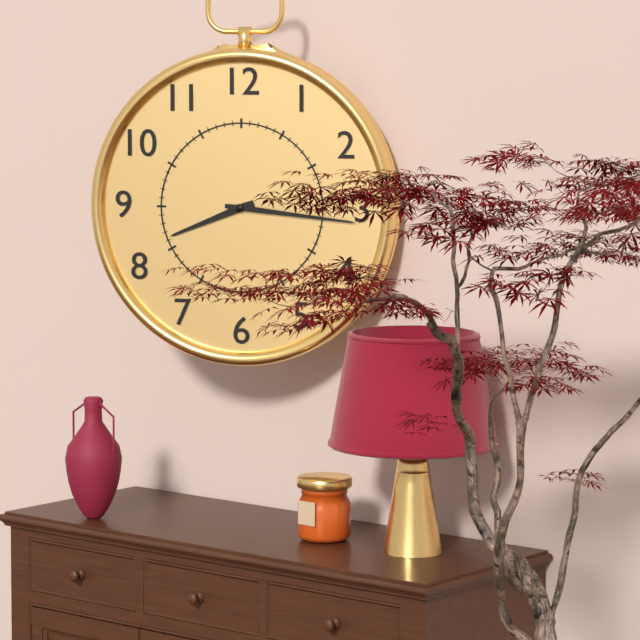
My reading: 8:16
